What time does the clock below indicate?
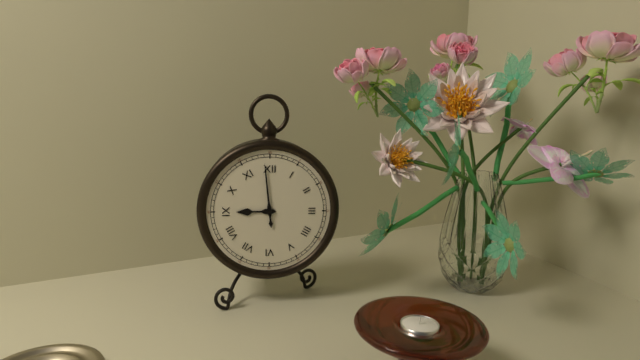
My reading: 8:59
